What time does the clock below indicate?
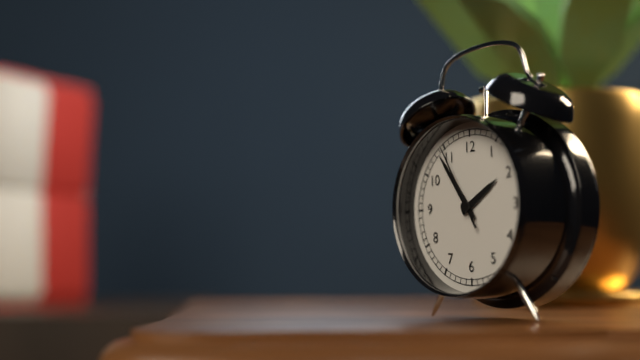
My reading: 1:54:55
